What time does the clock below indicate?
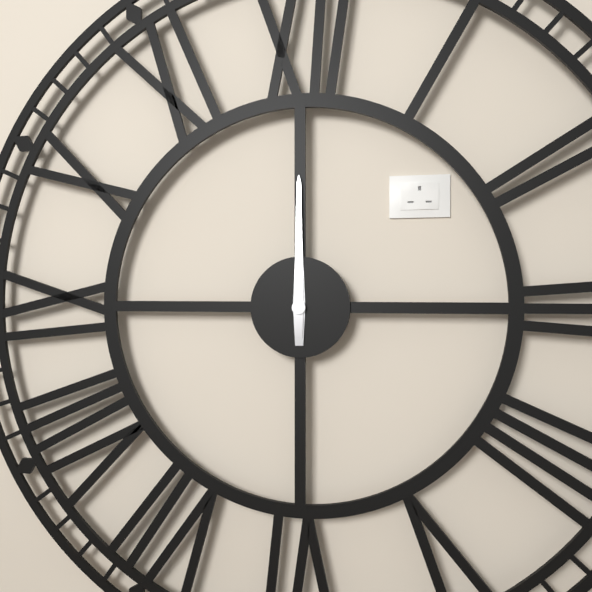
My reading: 12:00
